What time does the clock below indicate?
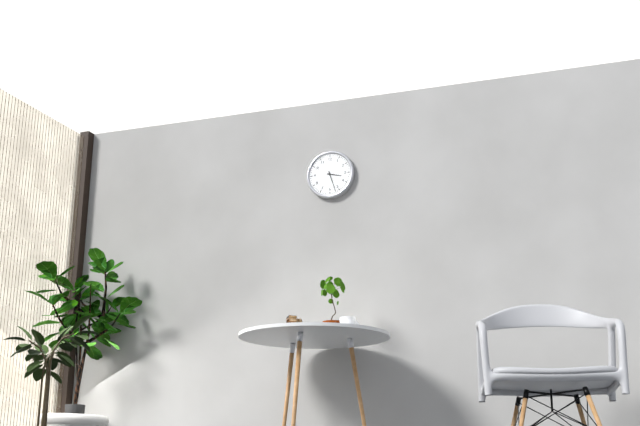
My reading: 3:27
